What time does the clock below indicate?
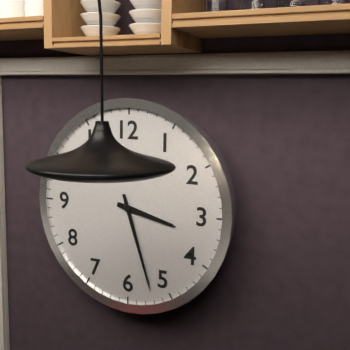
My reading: 3:27
